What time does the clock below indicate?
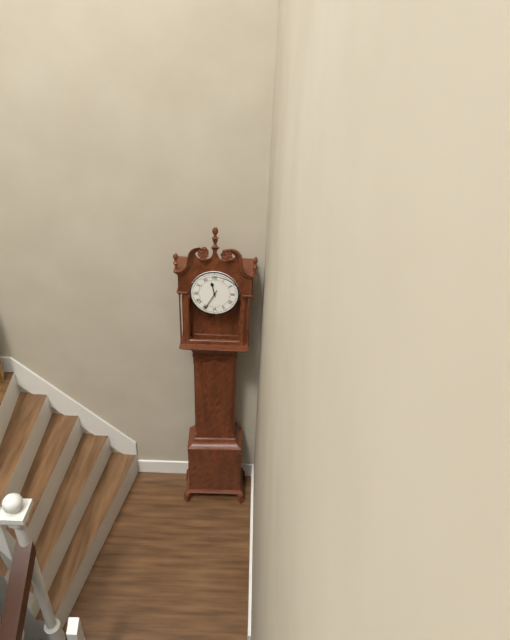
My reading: 11:35
